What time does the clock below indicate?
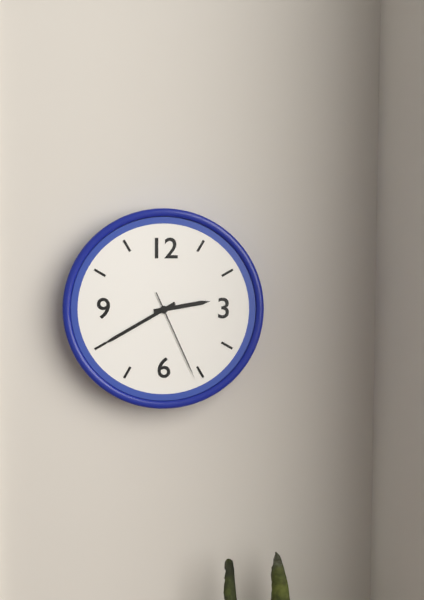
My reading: 2:40:26
